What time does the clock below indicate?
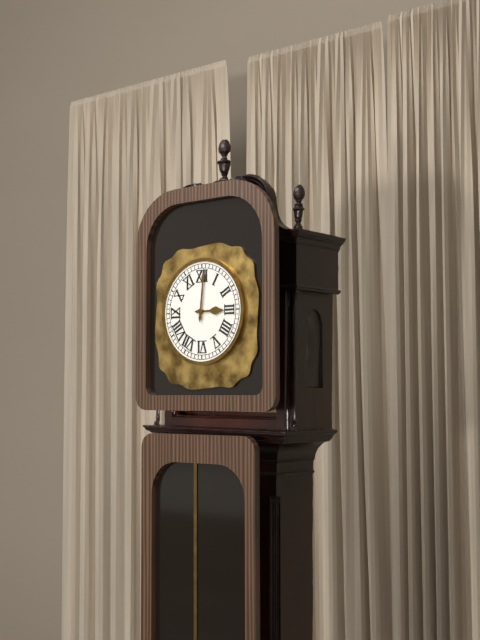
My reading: 3:01
